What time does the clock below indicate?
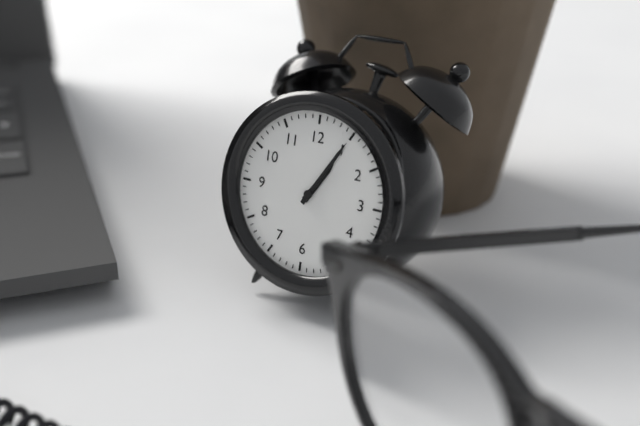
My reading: 1:05
